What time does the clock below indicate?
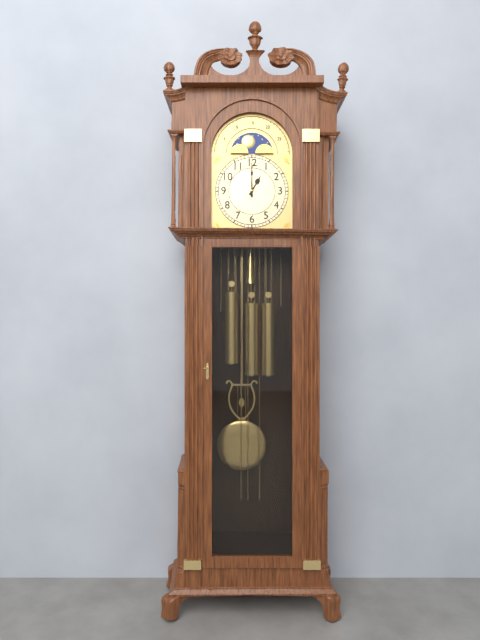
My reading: 1:00
